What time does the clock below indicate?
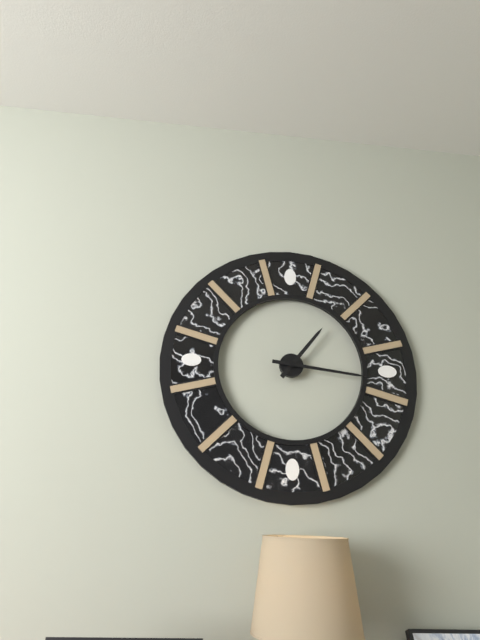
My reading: 1:16
